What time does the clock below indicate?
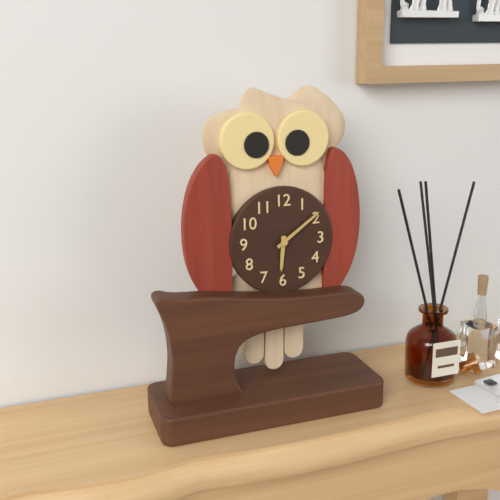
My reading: 6:09
